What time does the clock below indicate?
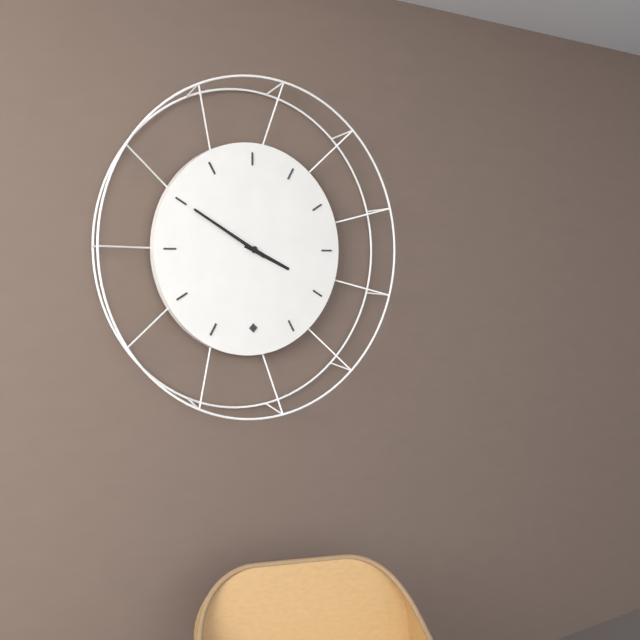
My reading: 3:50
